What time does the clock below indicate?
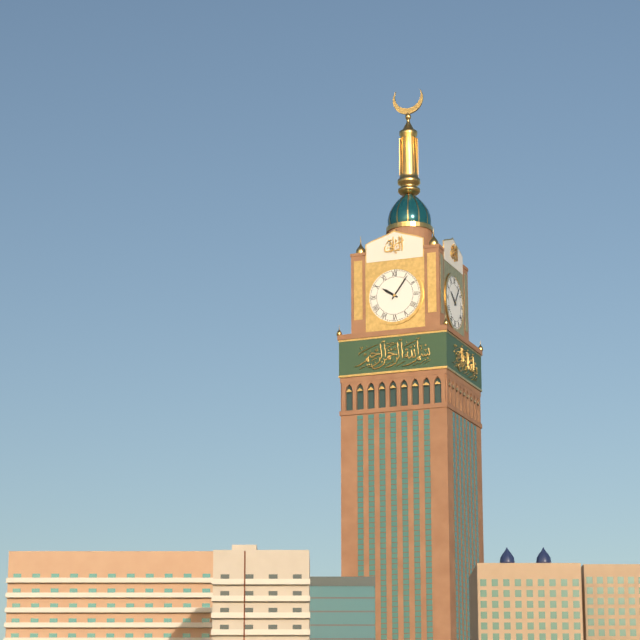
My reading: 10:06
